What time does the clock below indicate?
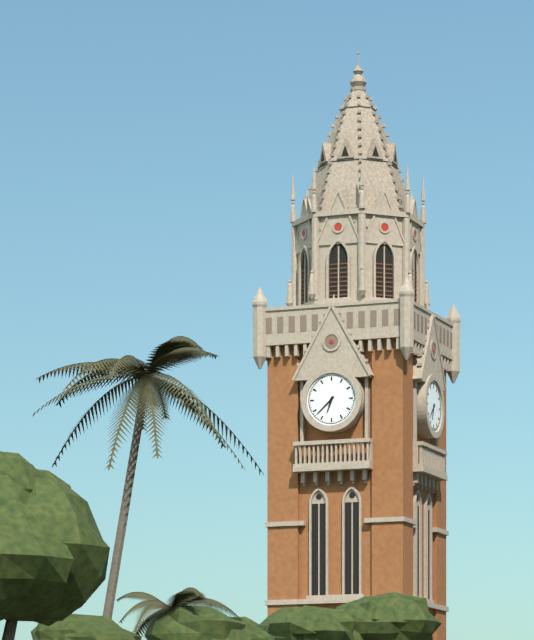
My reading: 6:38
